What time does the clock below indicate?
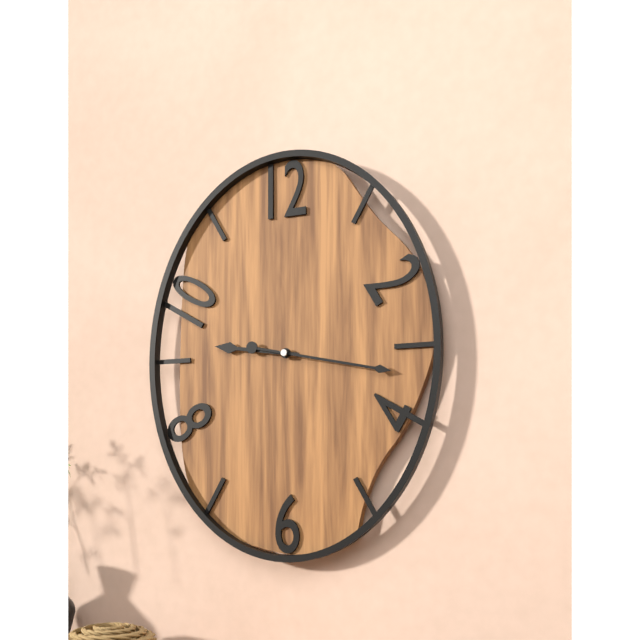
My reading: 9:17
